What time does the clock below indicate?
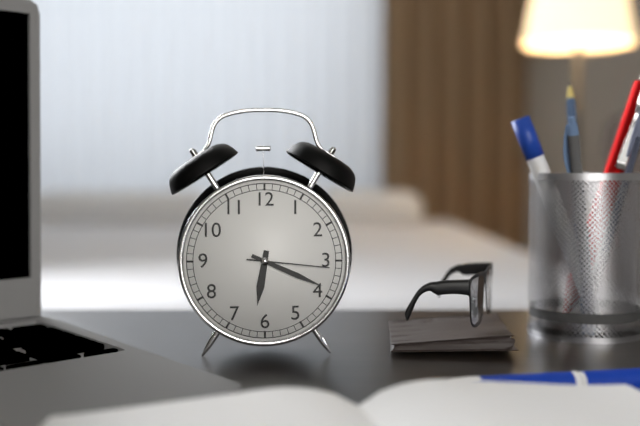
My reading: 6:19:16
